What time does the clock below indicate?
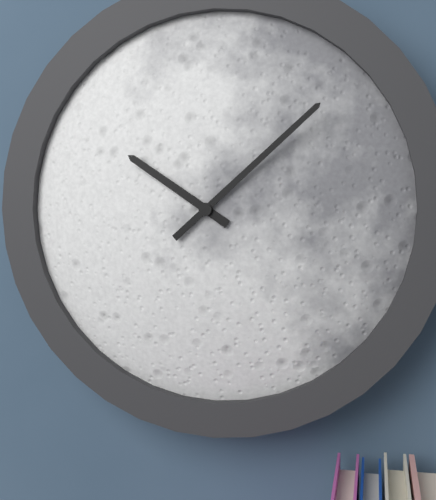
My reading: 10:08
